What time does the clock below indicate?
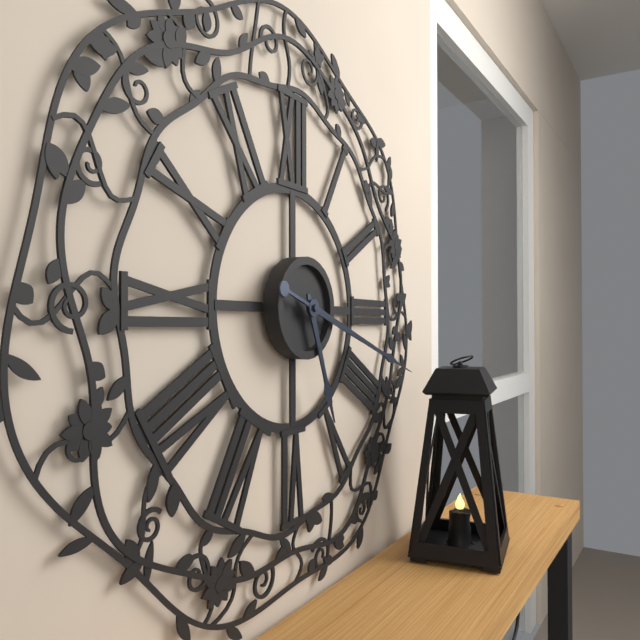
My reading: 5:18
